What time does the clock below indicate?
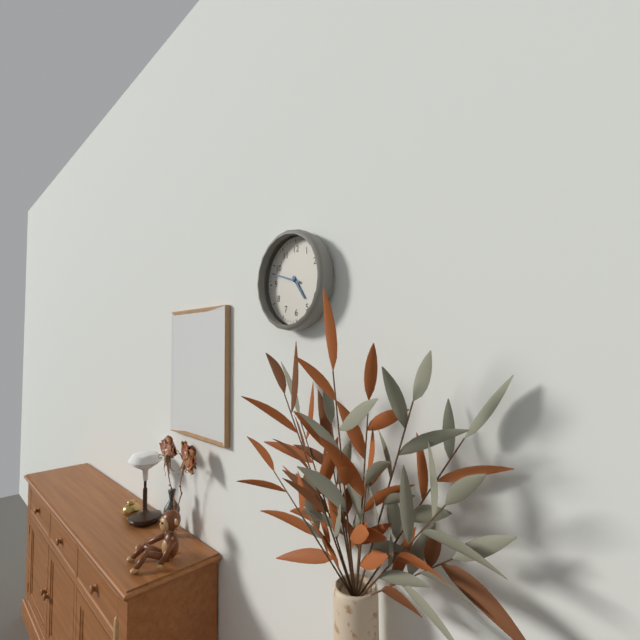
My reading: 4:48
